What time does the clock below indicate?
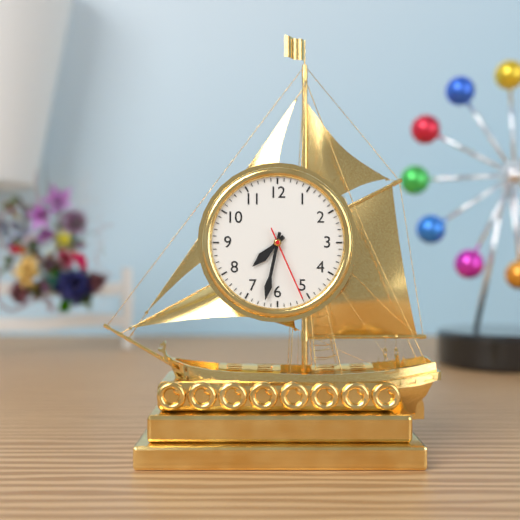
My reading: 7:32:26
